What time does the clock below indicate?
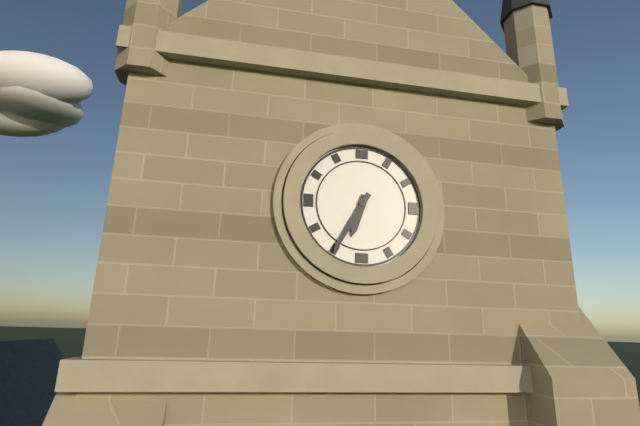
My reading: 6:35
